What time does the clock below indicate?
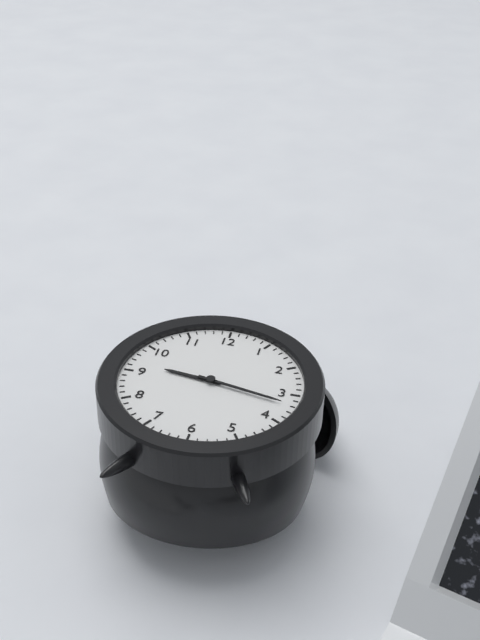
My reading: 9:17
